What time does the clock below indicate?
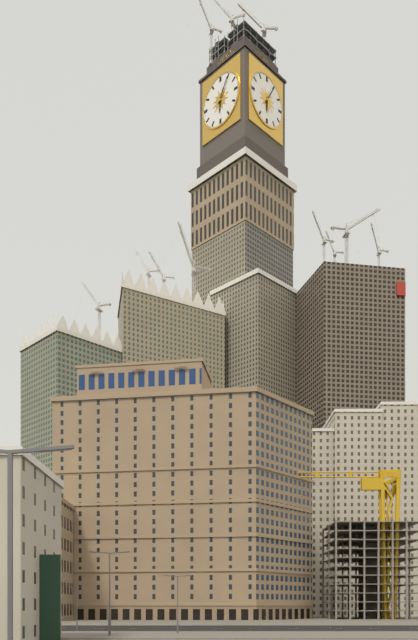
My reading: 6:05
